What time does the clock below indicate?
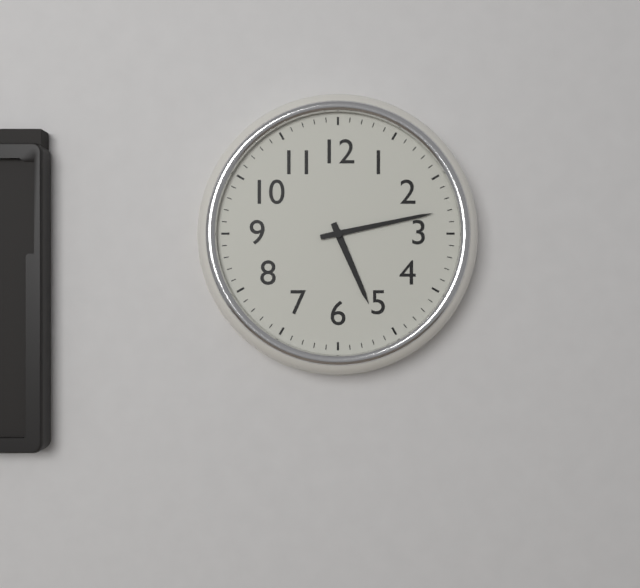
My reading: 5:13
